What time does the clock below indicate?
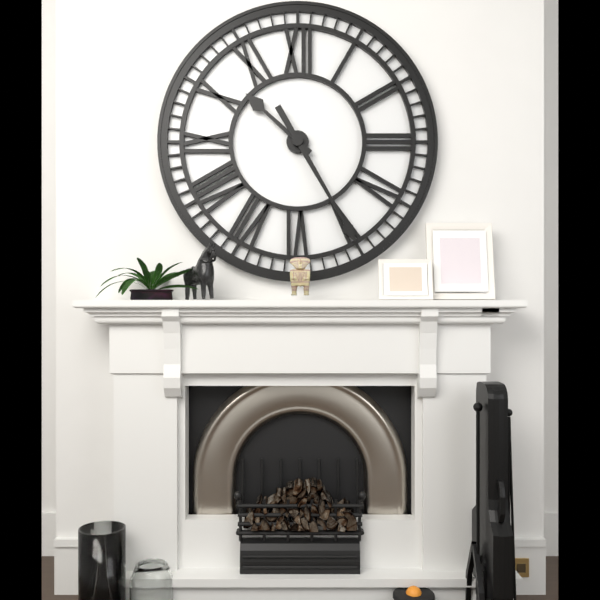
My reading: 10:25
